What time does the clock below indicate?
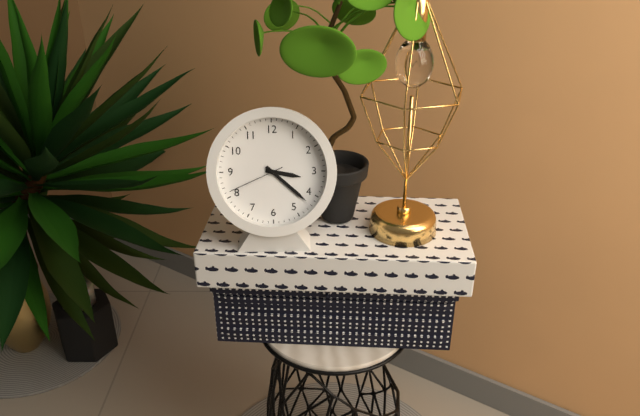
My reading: 3:22:41
